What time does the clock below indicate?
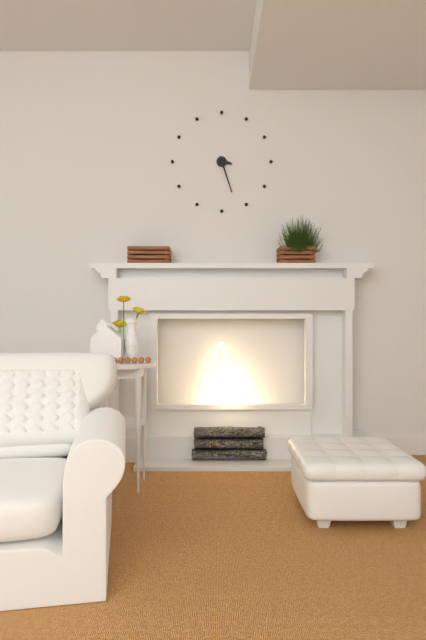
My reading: 3:27
